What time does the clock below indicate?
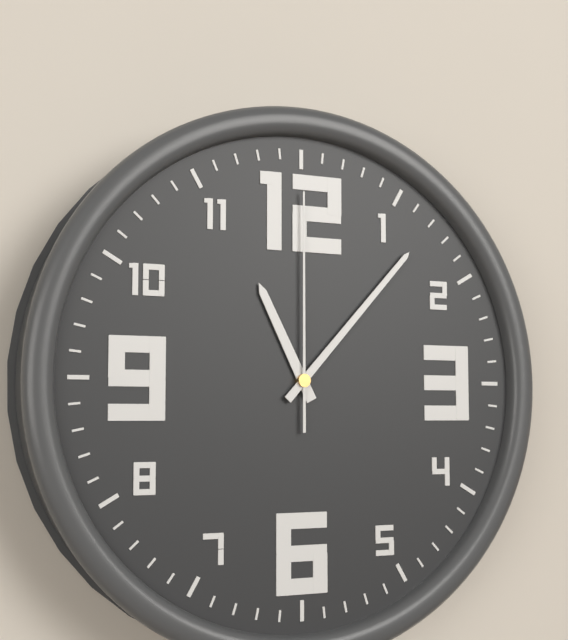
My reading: 11:07:00
